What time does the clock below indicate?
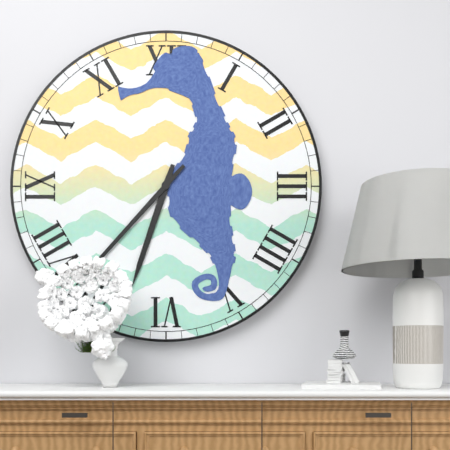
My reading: 6:37
